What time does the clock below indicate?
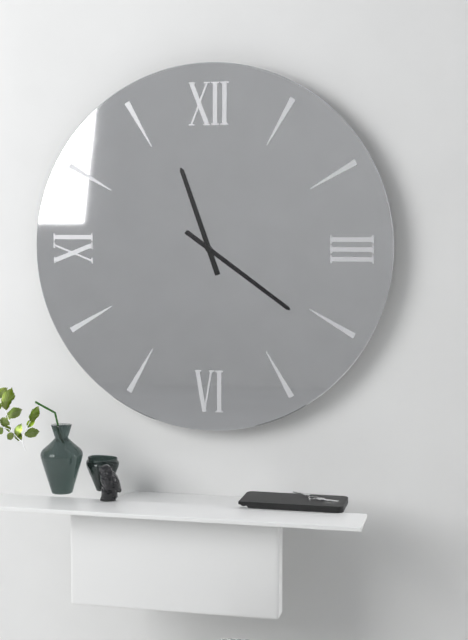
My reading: 11:21
